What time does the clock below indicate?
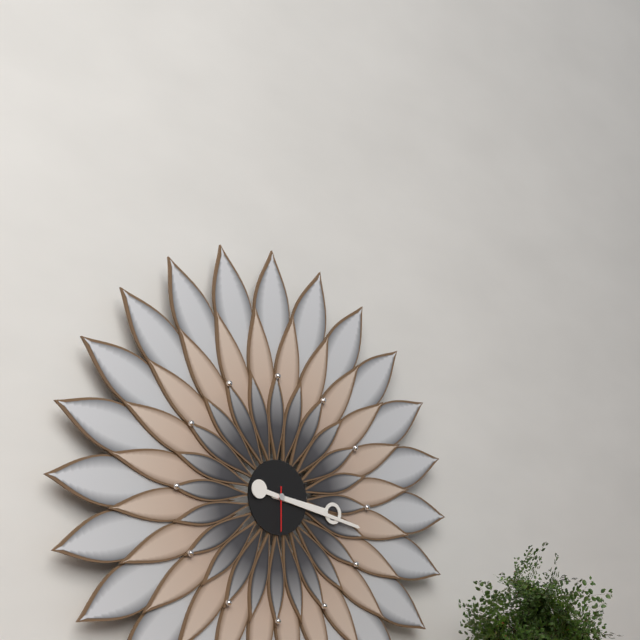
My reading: 3:17
